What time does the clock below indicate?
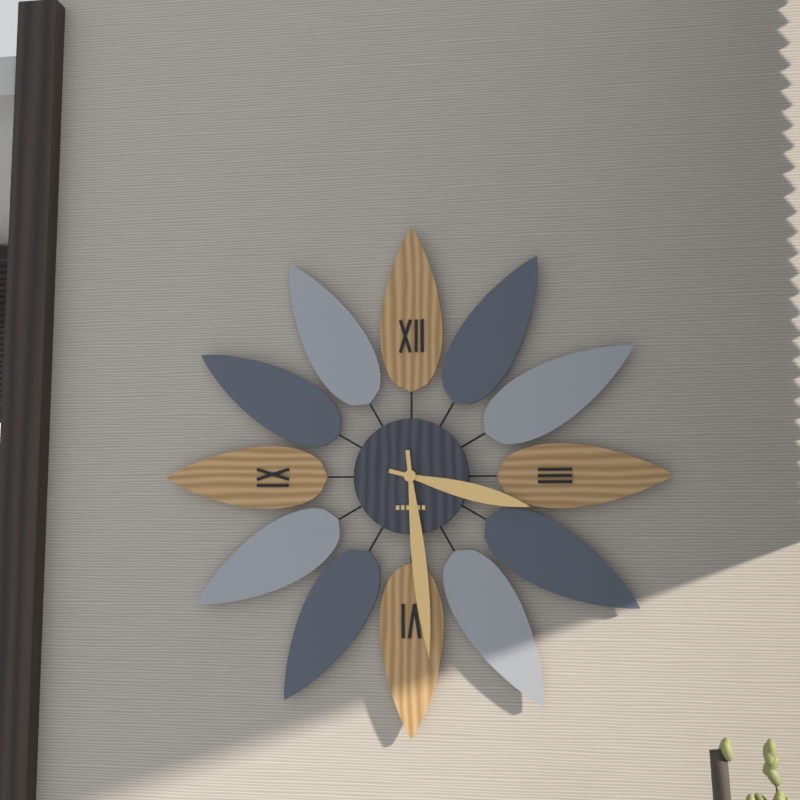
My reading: 3:29
